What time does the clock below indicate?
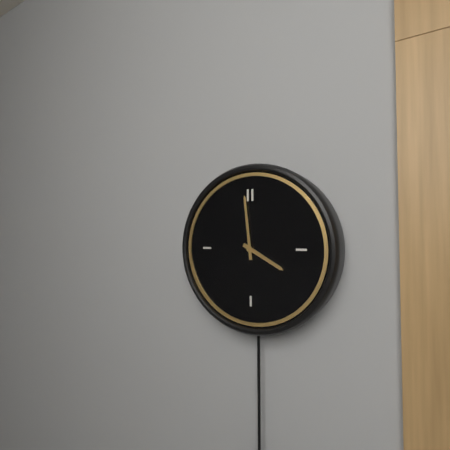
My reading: 3:59
